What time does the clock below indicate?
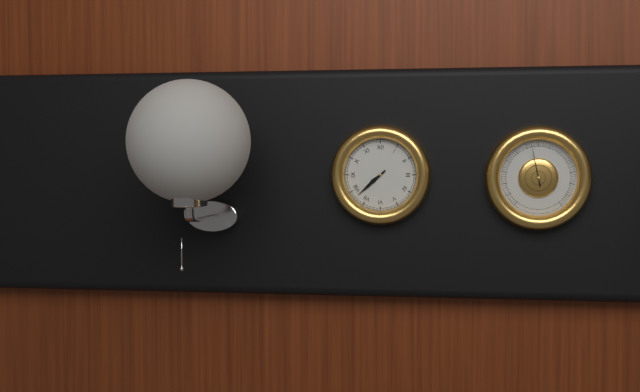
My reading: 7:38
